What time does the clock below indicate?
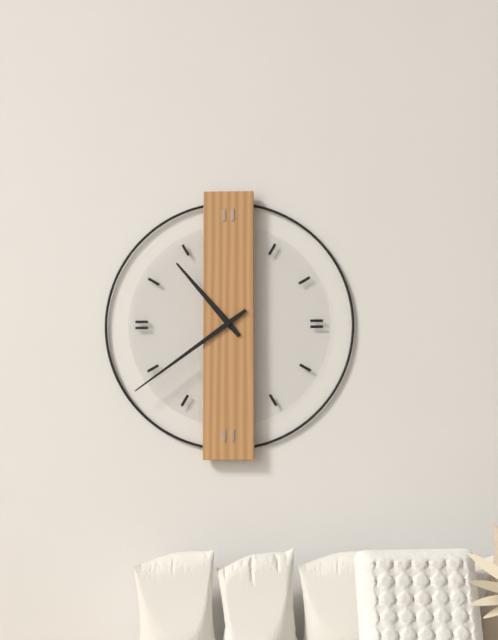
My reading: 10:39
